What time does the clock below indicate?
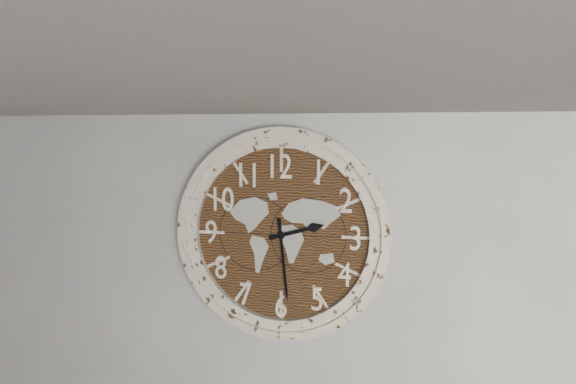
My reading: 2:29
